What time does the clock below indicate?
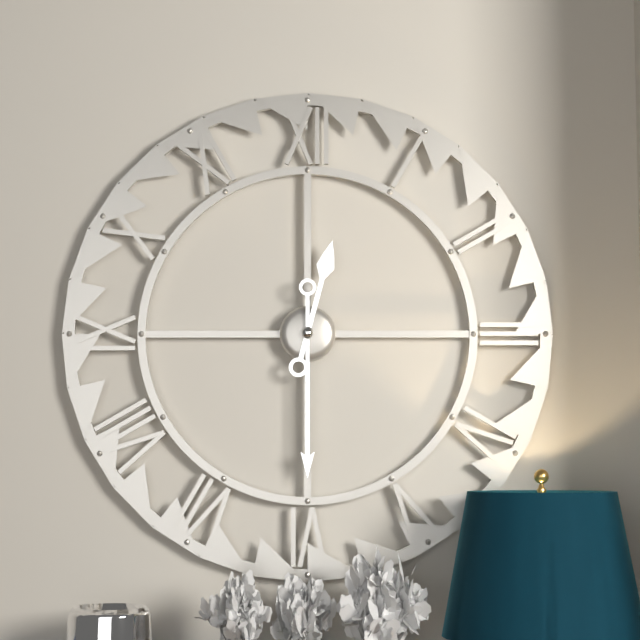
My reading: 12:30
